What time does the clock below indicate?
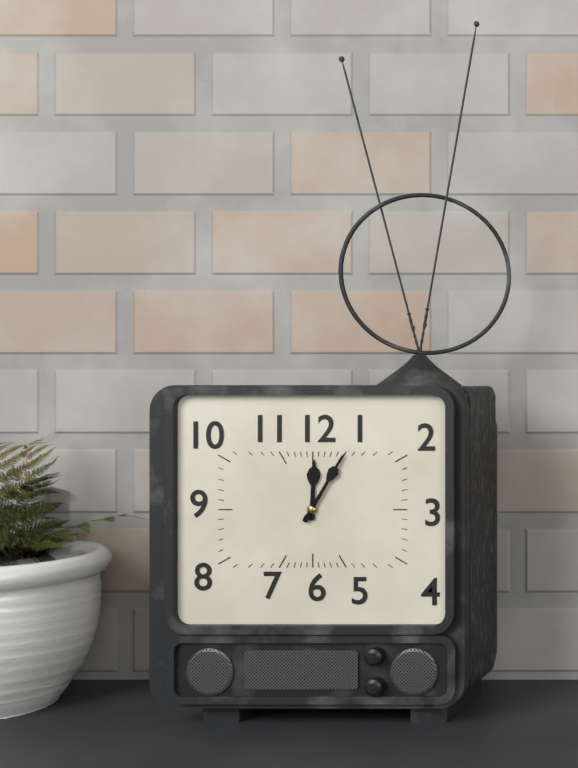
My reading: 12:05
